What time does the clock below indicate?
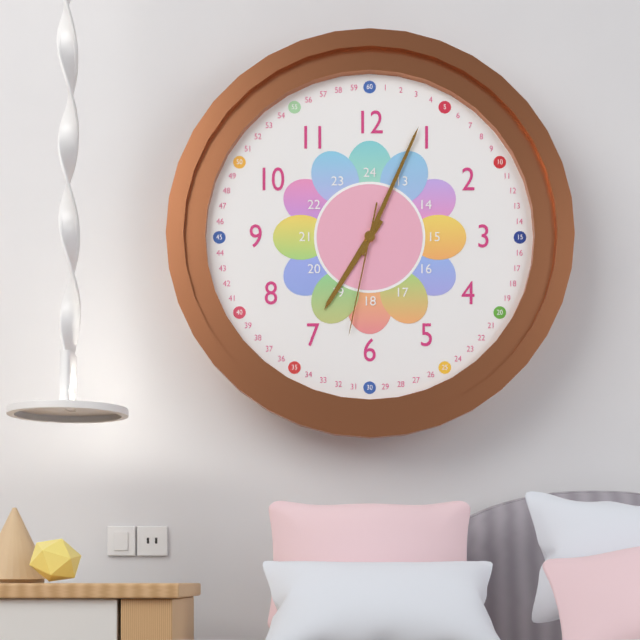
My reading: 7:04:32
